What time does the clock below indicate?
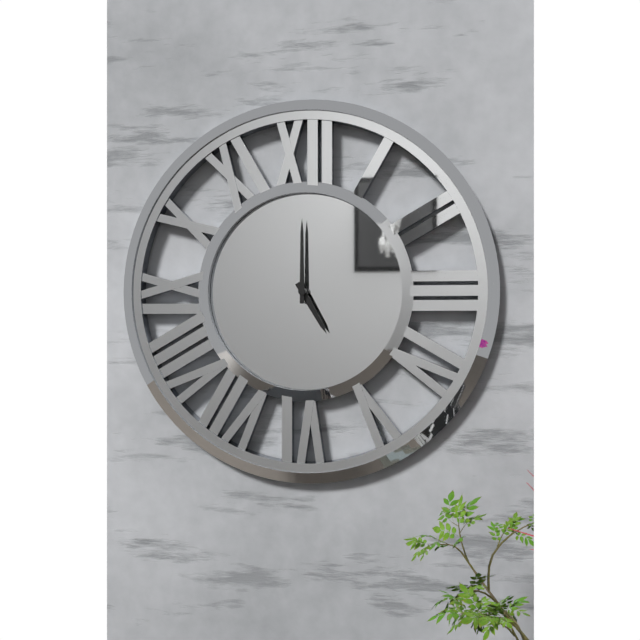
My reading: 5:00
